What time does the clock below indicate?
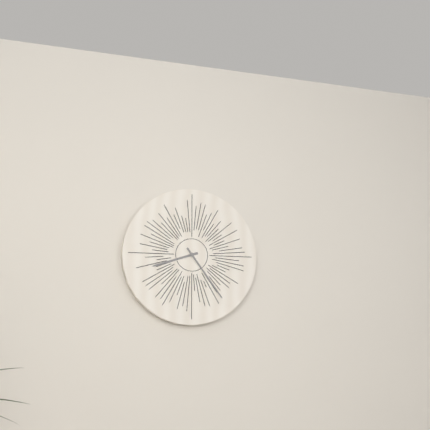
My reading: 8:24
